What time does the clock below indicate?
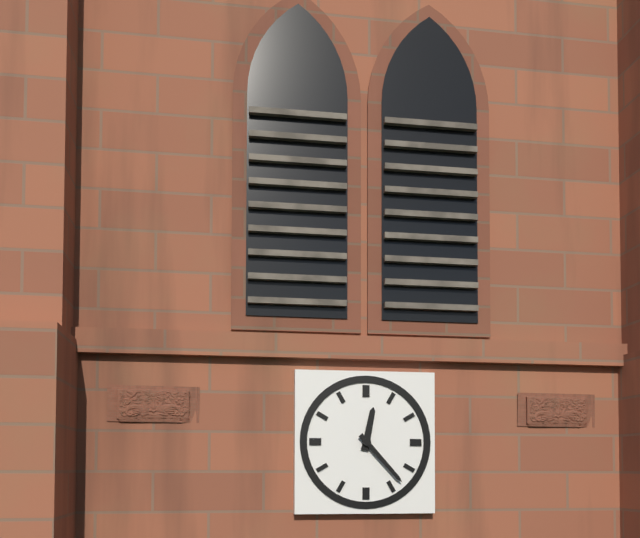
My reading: 12:23
